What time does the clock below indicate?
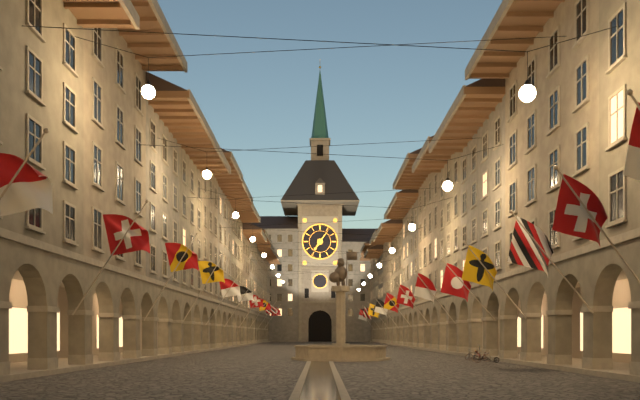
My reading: 7:06
